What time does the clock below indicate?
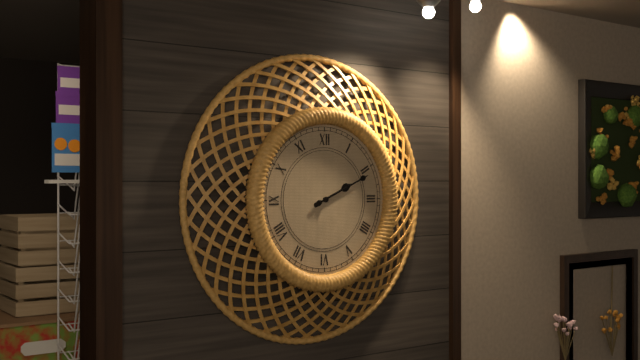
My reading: 2:11
